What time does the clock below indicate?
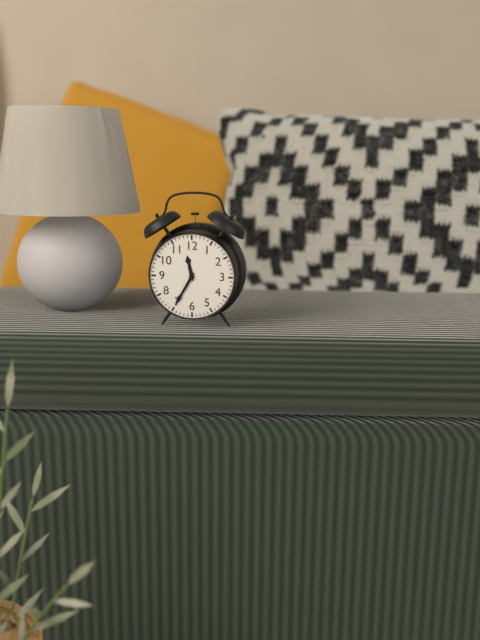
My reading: 11:35
